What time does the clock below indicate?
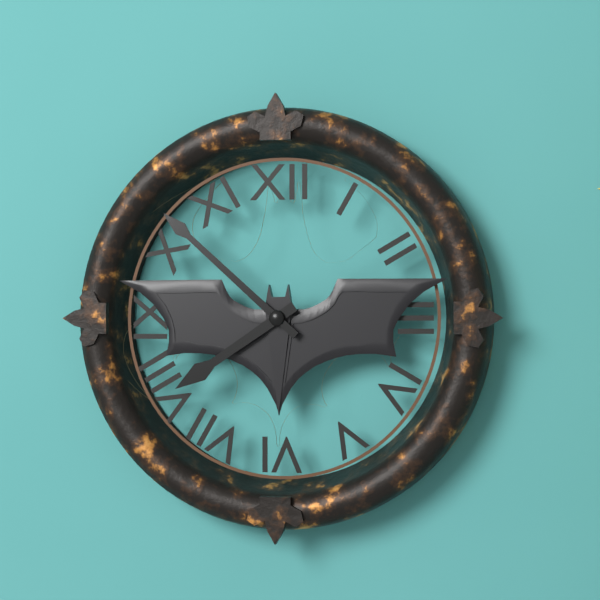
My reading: 7:52
